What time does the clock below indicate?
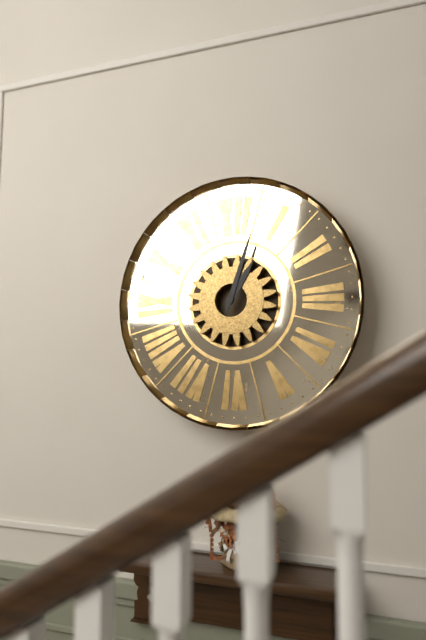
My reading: 1:03
